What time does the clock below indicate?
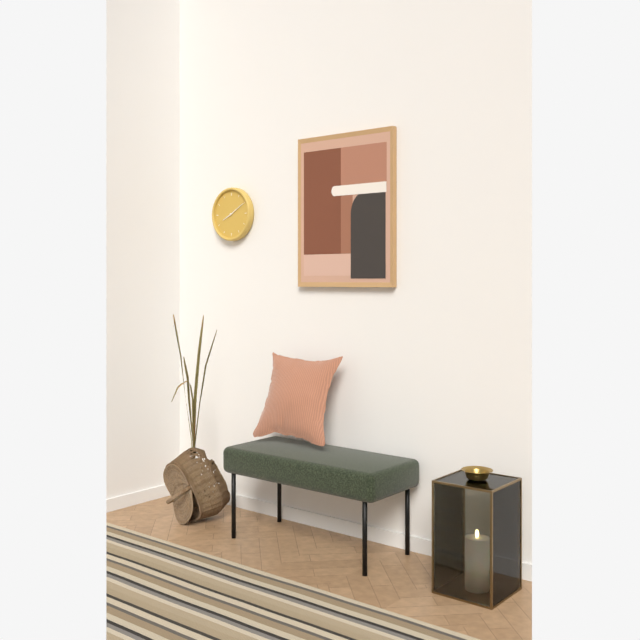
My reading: 8:10
